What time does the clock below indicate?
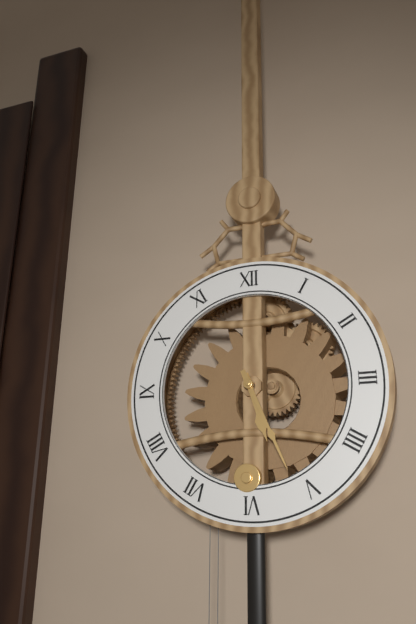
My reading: 5:26
